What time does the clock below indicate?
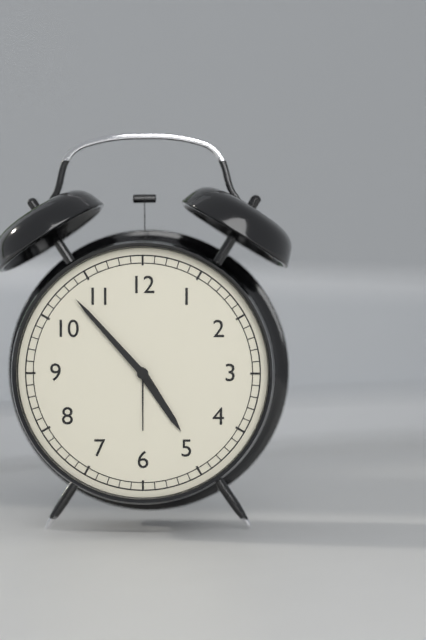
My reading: 4:53
